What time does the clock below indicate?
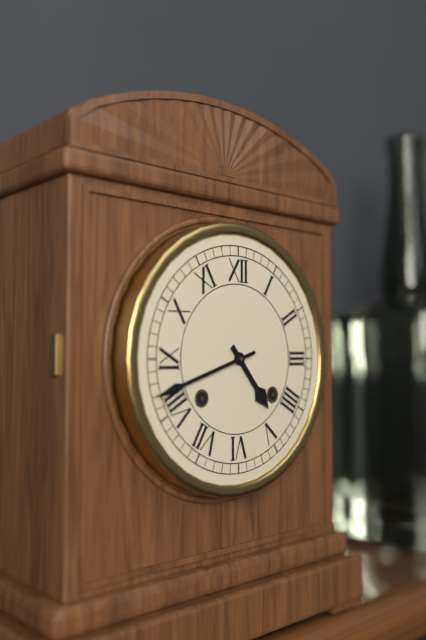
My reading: 4:42
